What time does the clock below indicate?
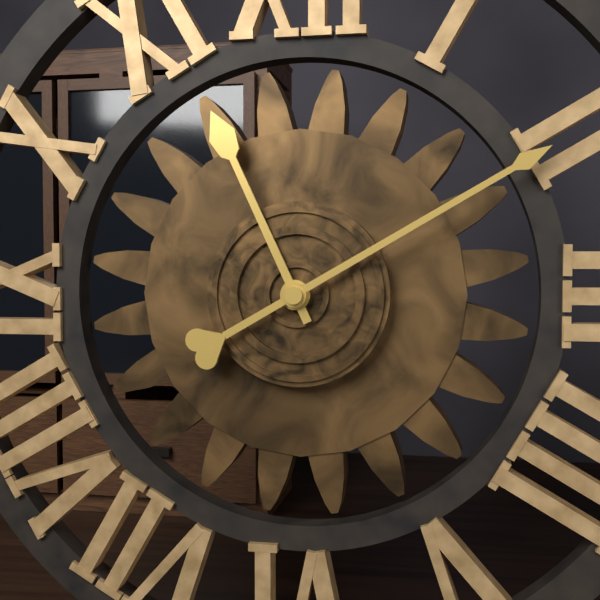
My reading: 11:10
